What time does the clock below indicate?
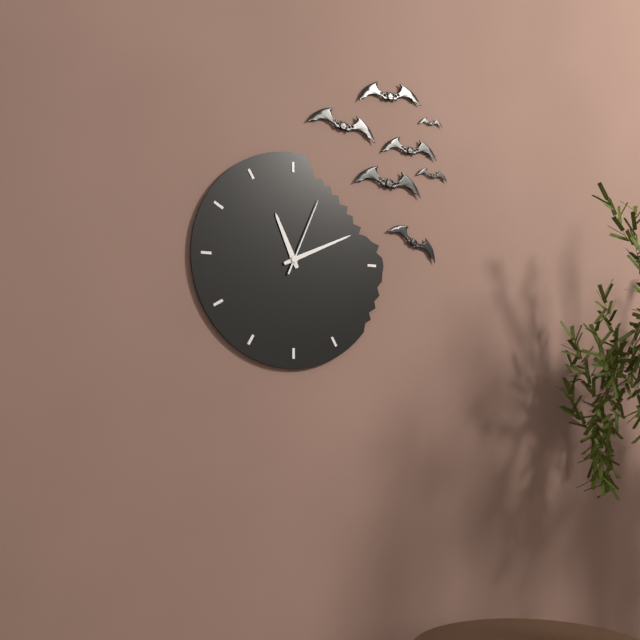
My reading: 11:11:04
